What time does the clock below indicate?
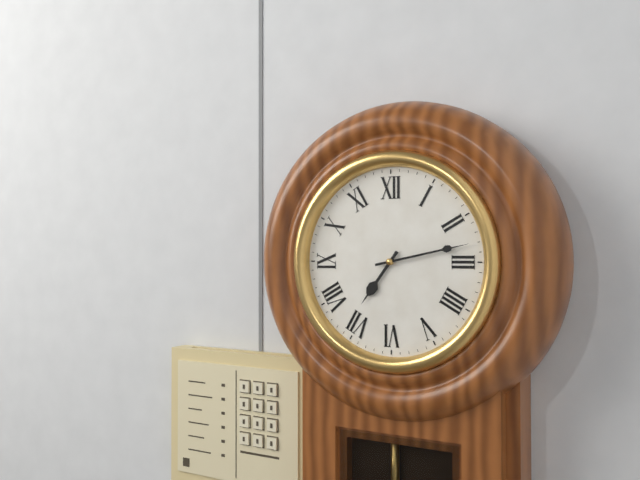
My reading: 7:13
